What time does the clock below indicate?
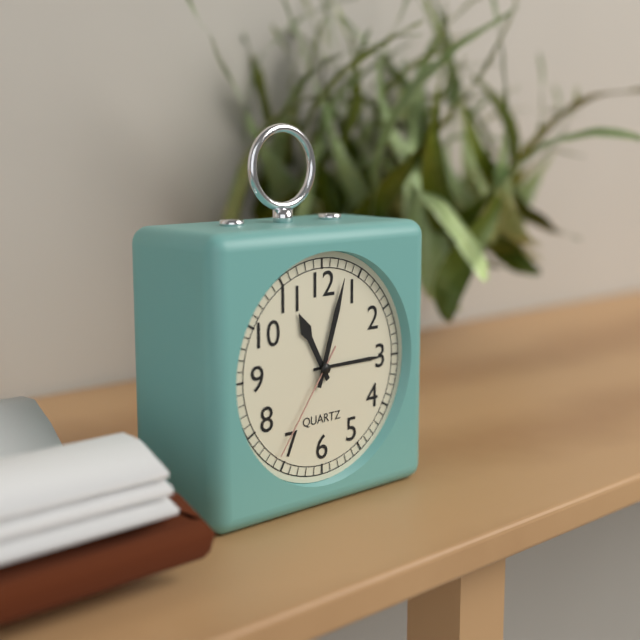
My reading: 11:03:36
